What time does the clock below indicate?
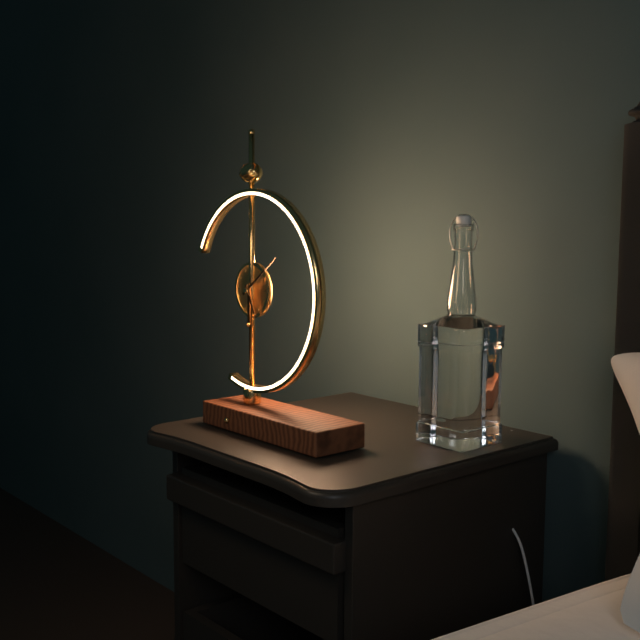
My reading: 5:09
